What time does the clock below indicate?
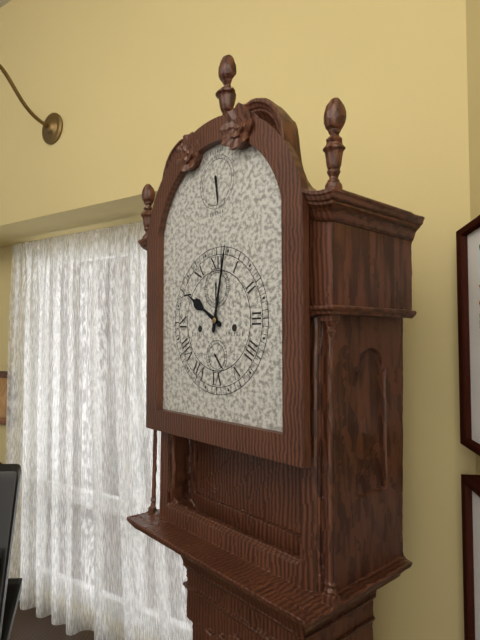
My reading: 10:02
